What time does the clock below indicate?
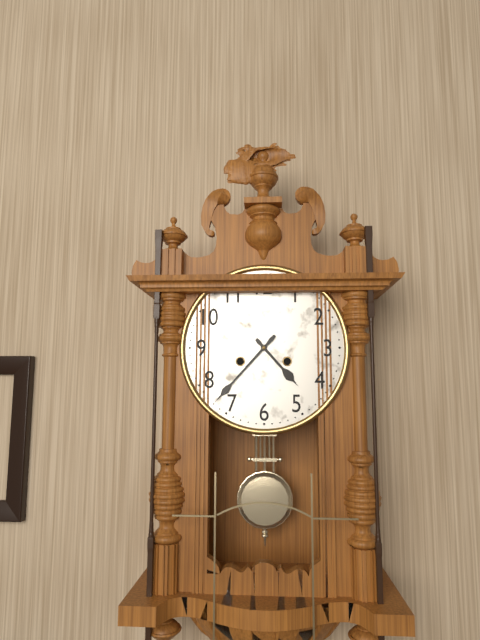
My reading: 4:37
